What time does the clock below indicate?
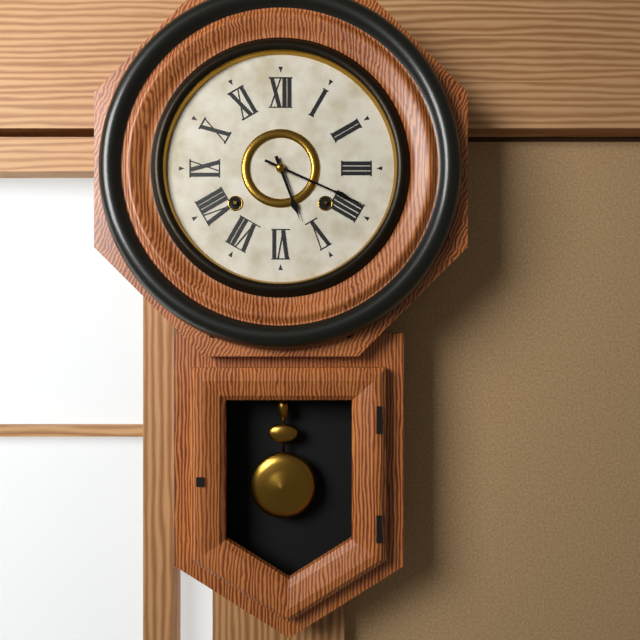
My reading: 5:19
